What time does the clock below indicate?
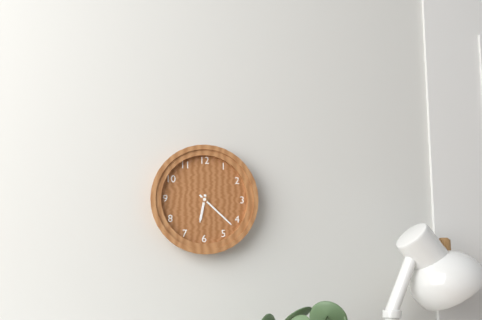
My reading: 6:22
